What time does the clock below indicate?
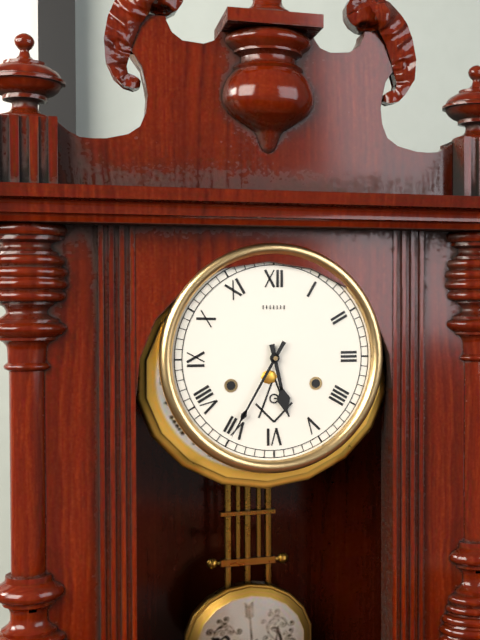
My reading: 5:35
